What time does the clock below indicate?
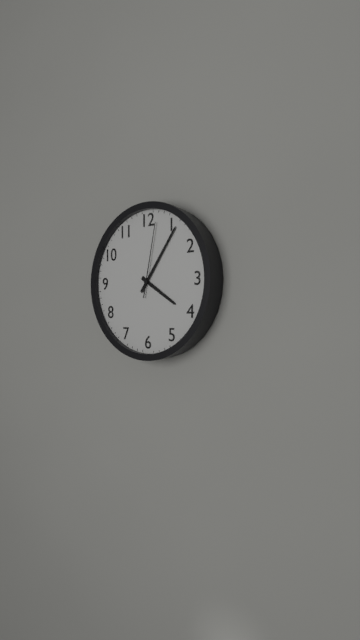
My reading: 4:06:02
